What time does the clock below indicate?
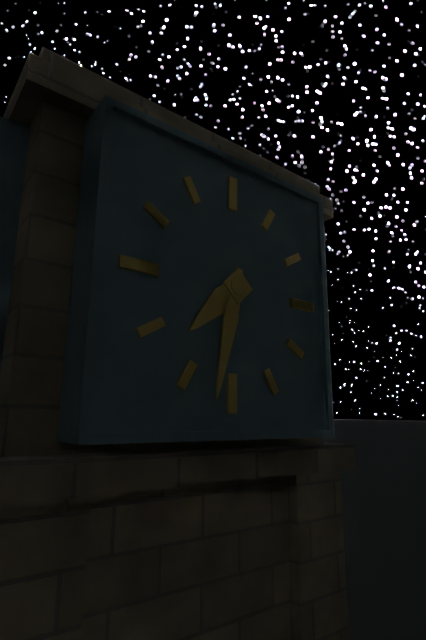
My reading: 7:32
